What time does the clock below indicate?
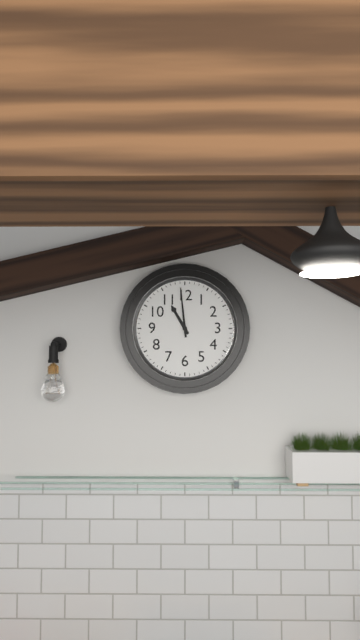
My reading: 10:59
